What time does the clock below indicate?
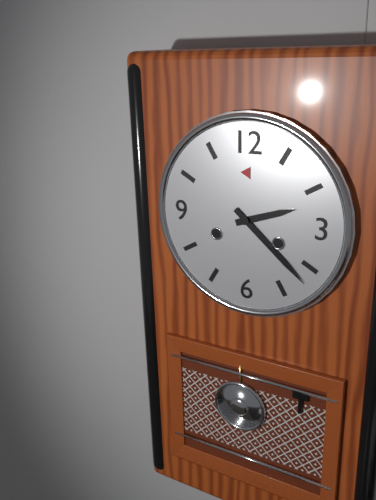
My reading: 2:22
